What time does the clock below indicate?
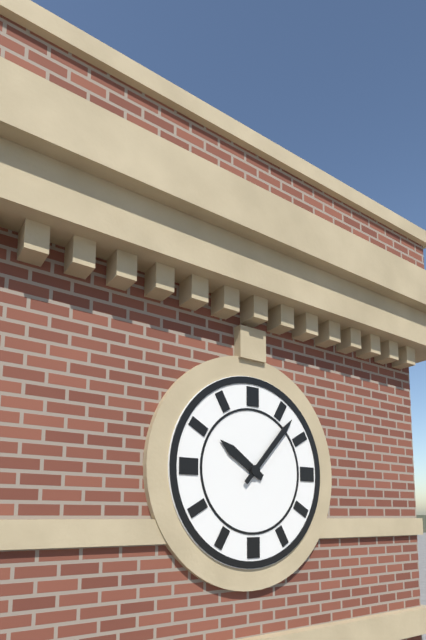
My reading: 10:07
